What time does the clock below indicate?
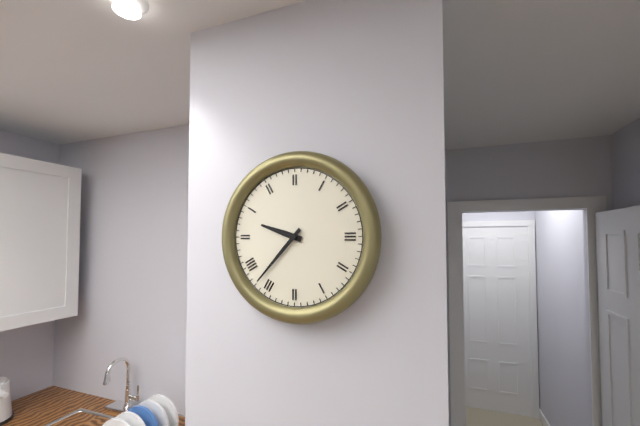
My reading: 9:37
